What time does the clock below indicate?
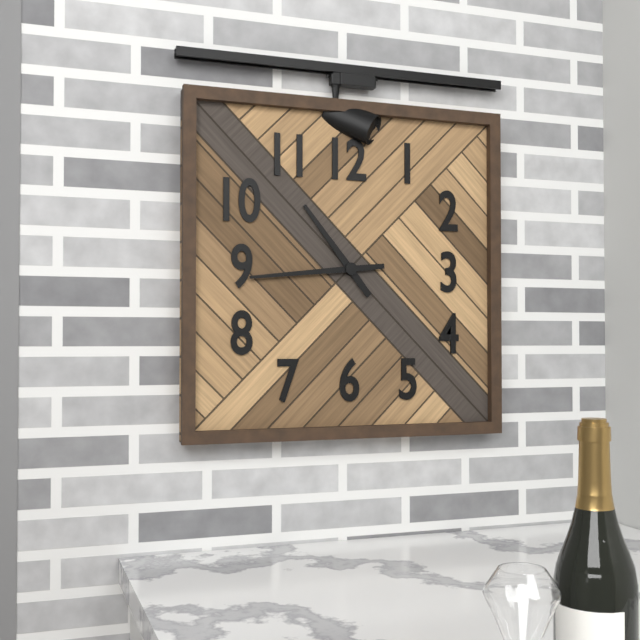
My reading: 10:44
